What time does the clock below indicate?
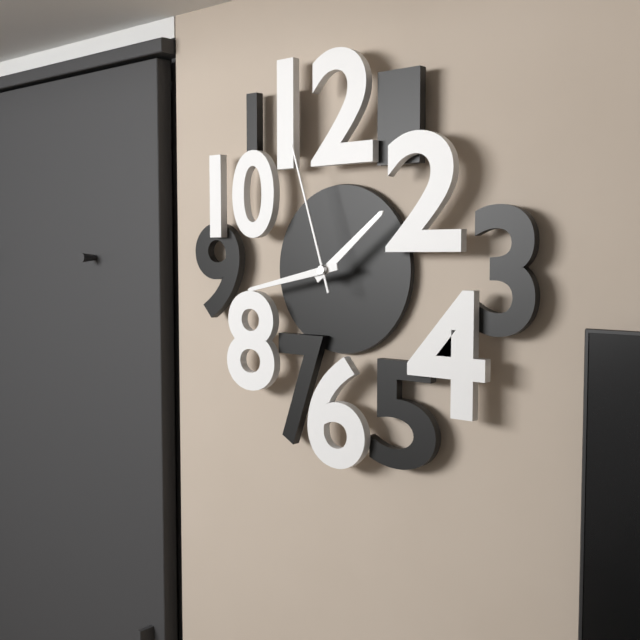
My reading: 1:43:57
